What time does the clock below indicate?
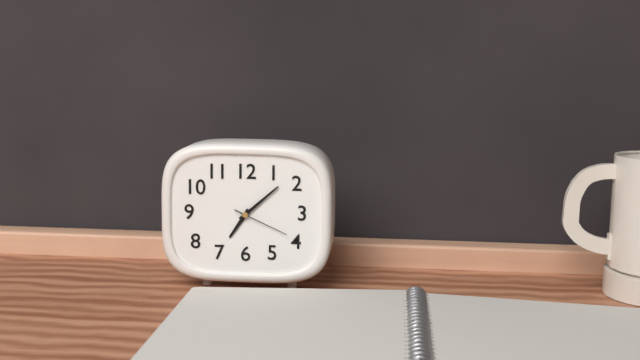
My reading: 7:08:19
